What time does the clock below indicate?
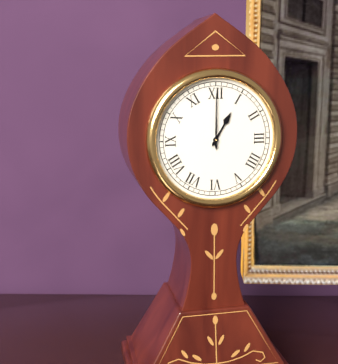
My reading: 1:00
